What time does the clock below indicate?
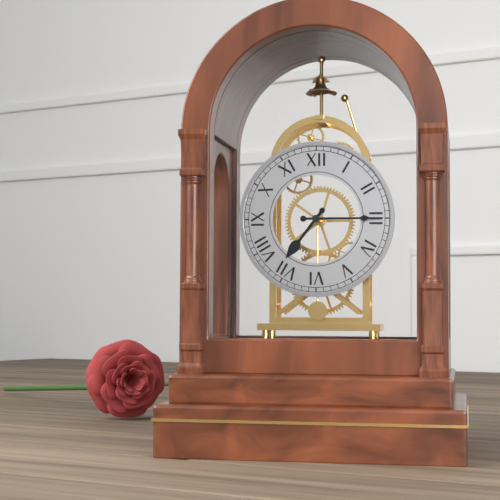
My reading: 7:15
